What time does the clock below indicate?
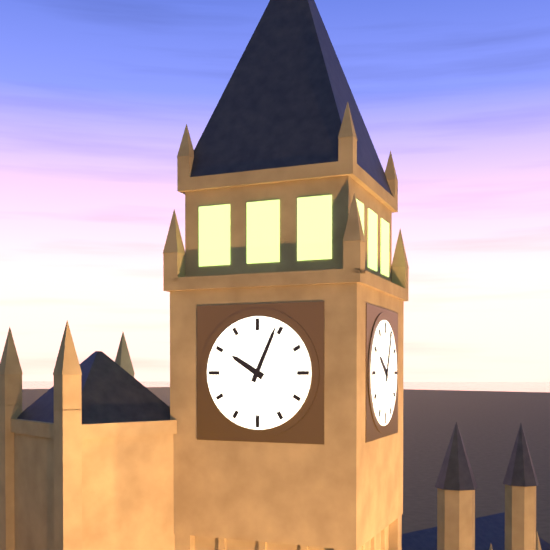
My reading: 10:04
